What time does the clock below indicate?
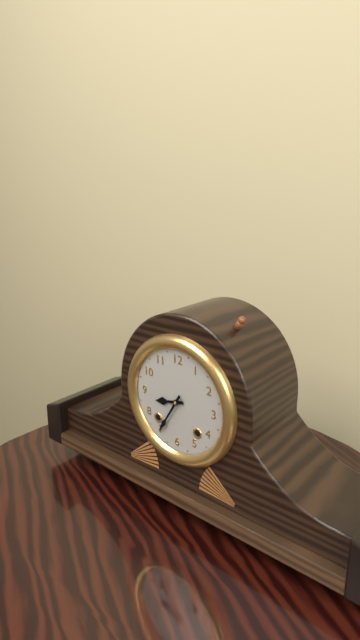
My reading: 8:35
